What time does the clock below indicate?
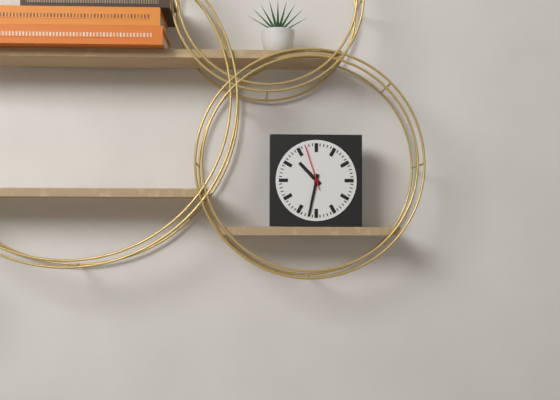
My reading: 10:32
